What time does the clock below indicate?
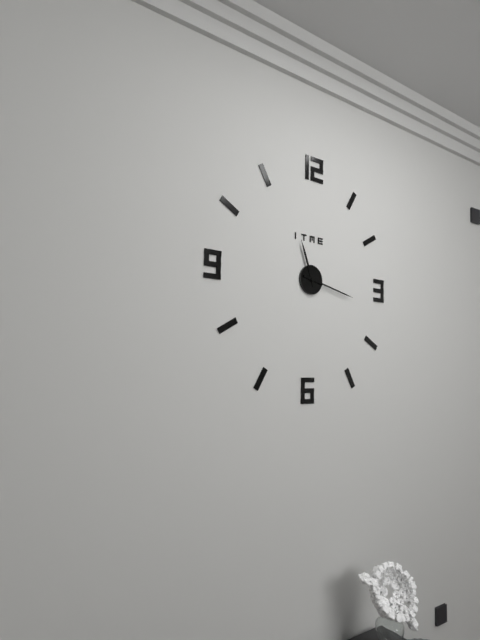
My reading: 11:17
